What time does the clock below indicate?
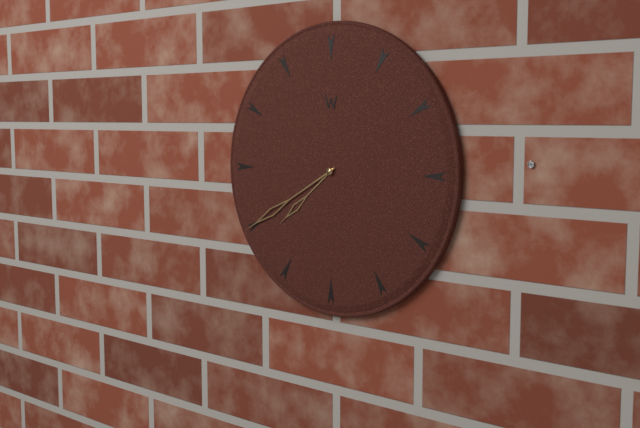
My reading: 7:40
